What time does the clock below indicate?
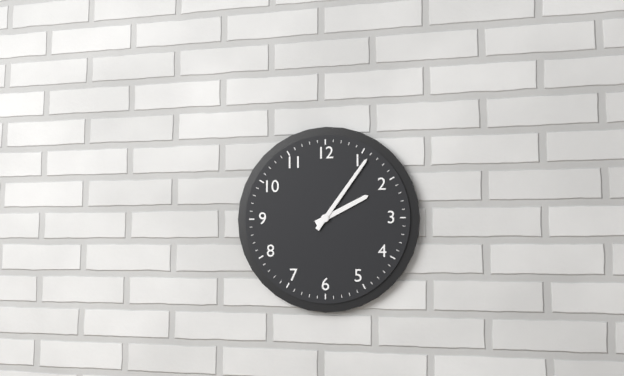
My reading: 2:06
